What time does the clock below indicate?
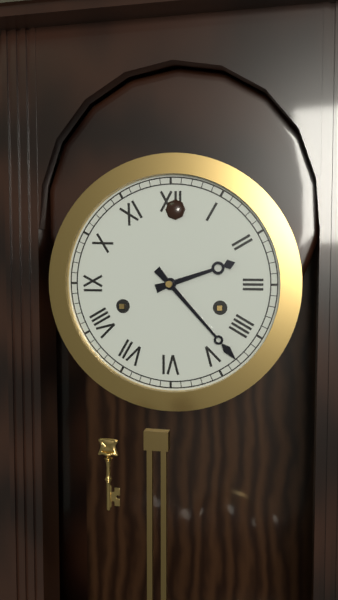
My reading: 2:23
